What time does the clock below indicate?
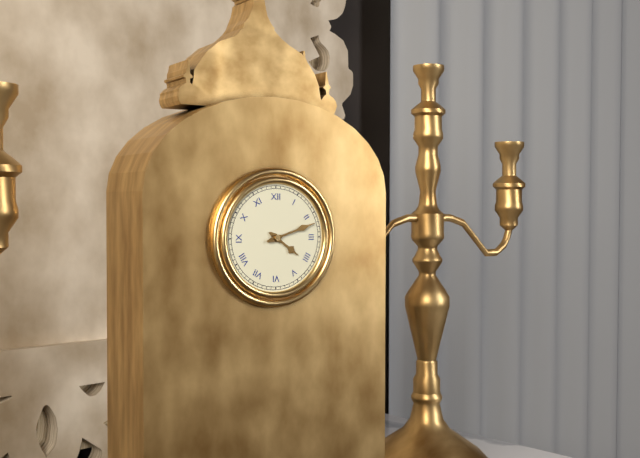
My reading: 4:12
